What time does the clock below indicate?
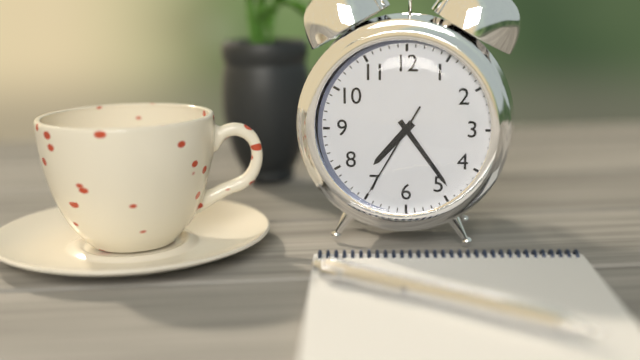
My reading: 7:24:35
